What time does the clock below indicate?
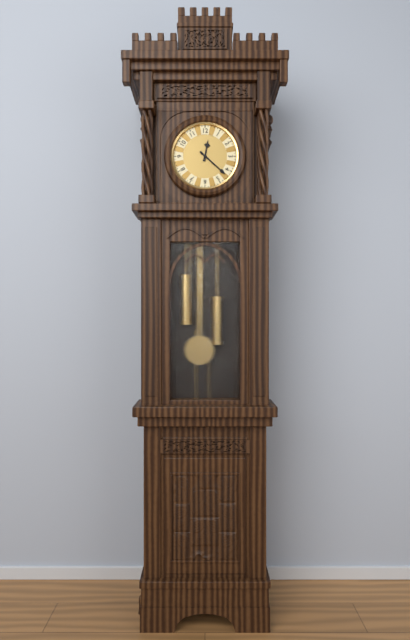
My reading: 12:22
